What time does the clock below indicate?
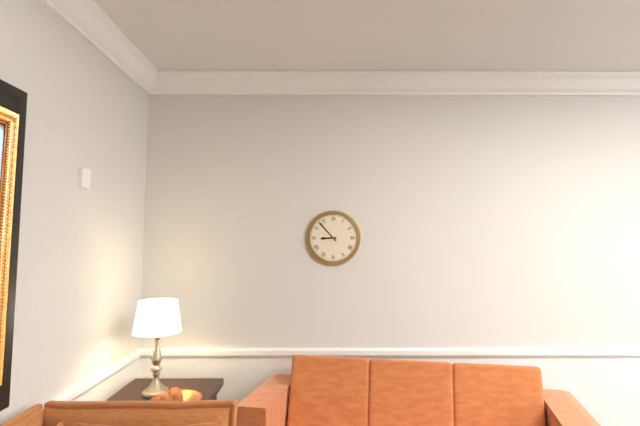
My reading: 8:53
